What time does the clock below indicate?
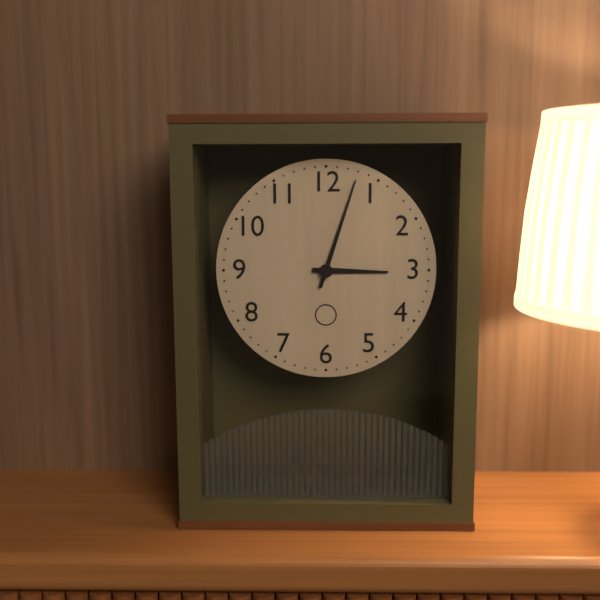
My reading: 3:03
